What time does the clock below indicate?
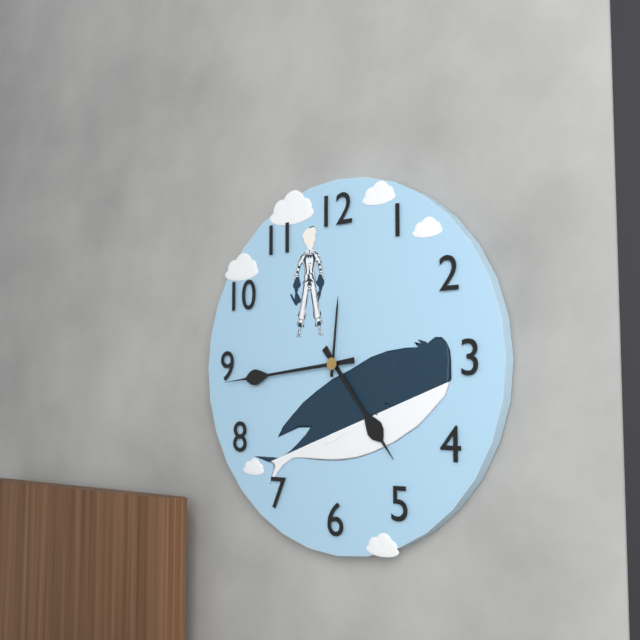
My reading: 4:44:01
